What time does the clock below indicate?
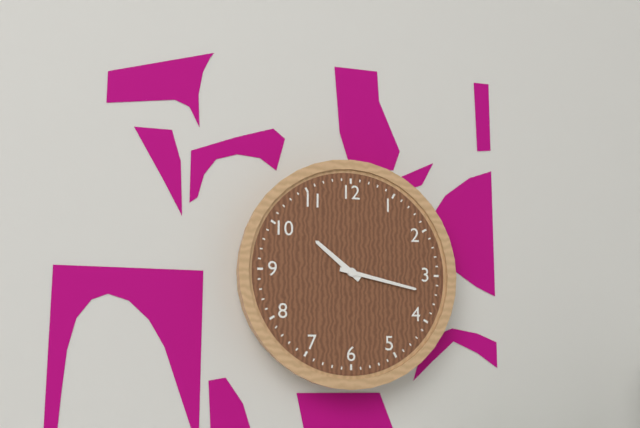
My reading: 10:17
